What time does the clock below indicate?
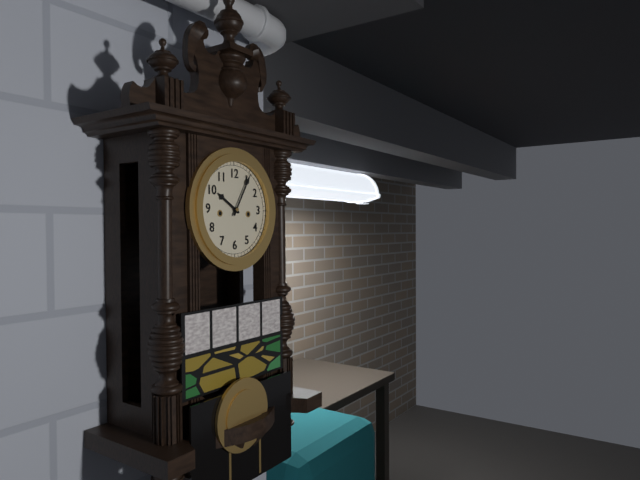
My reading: 10:05
